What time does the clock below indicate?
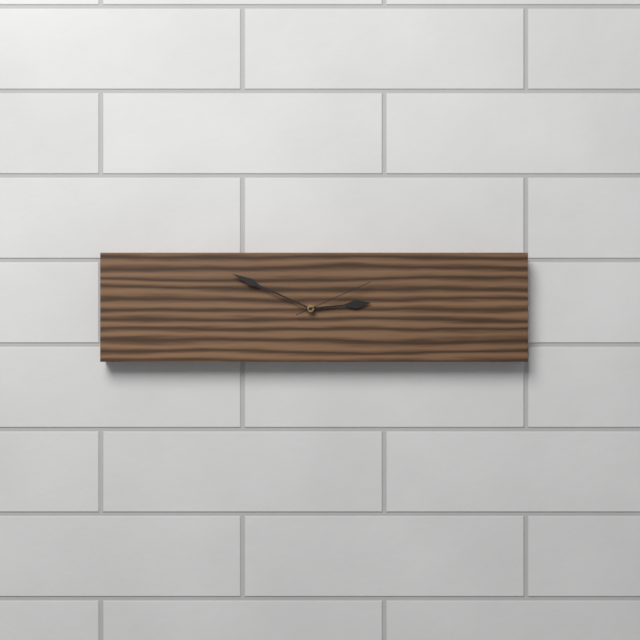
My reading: 2:49:11
